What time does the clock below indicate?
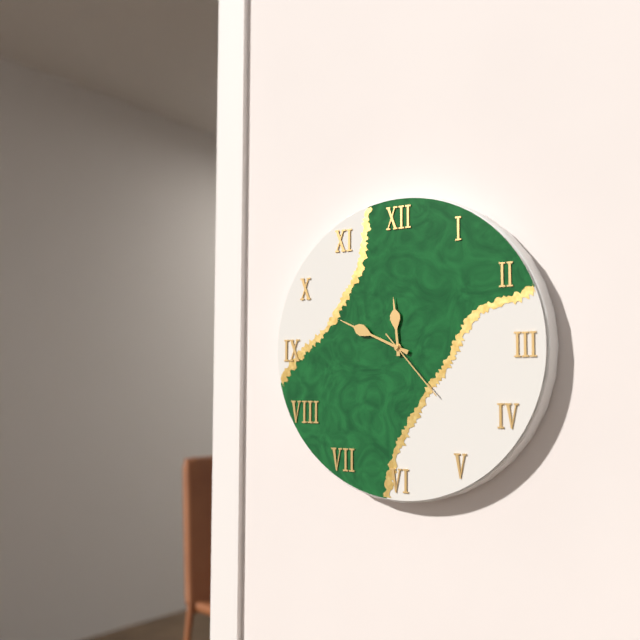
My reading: 11:49:23
